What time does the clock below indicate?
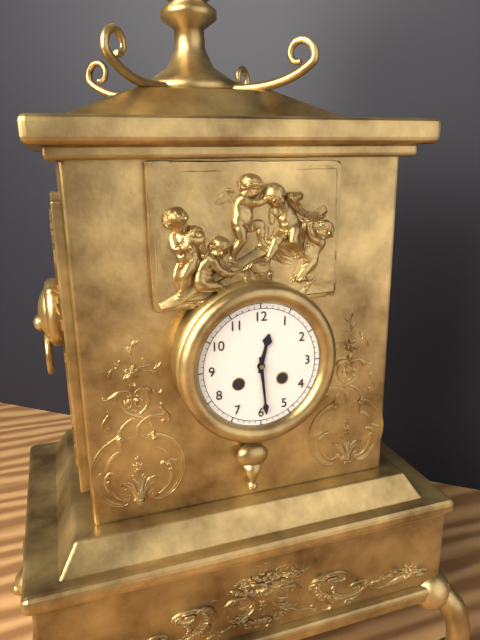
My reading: 12:29
